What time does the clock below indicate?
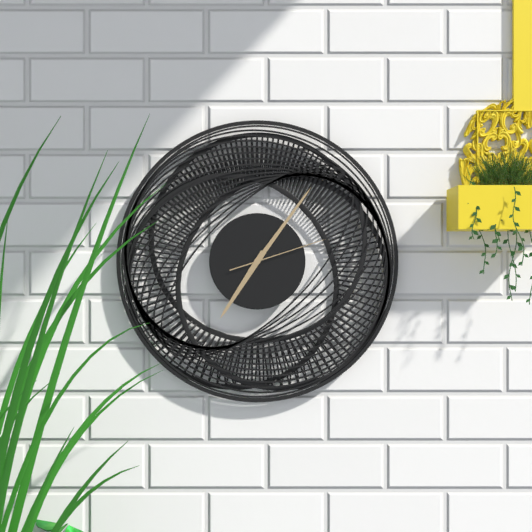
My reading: 7:06:12
